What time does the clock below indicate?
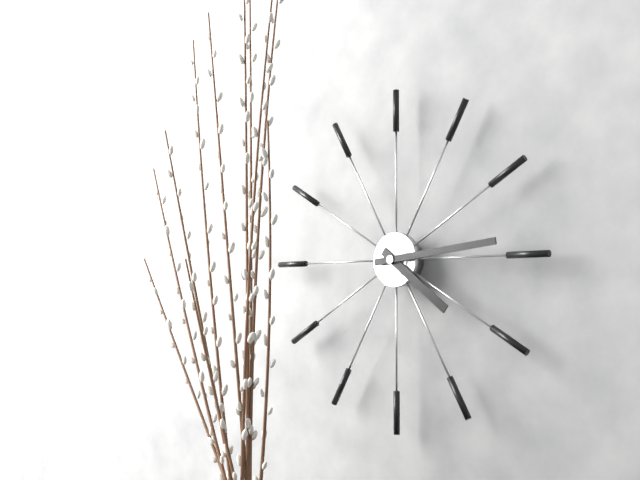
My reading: 4:14
